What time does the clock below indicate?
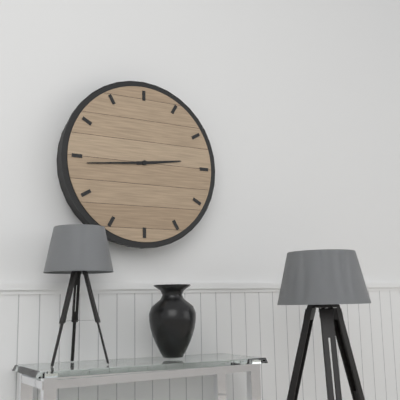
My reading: 2:44
